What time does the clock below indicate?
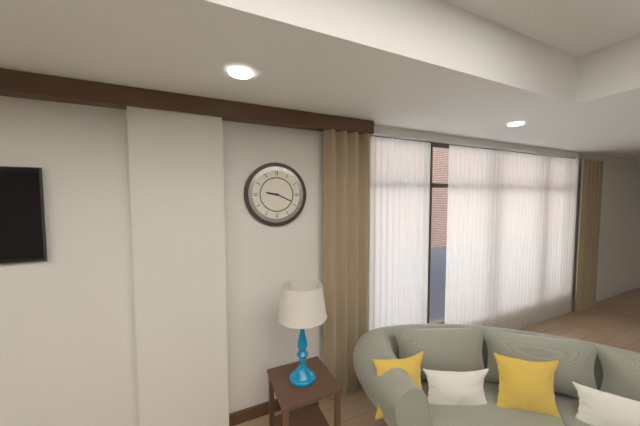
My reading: 9:19
